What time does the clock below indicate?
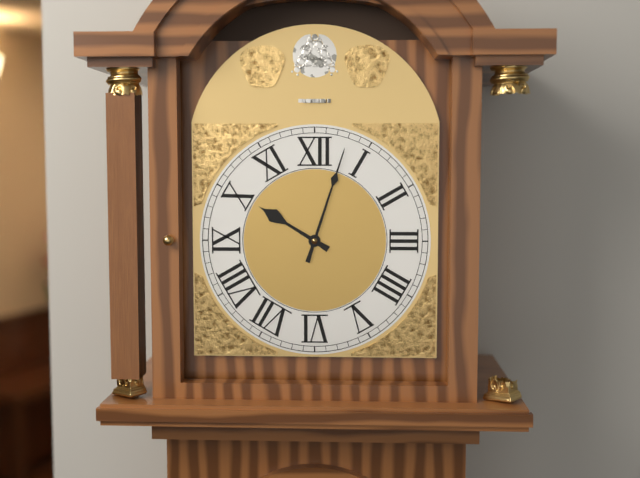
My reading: 10:03
